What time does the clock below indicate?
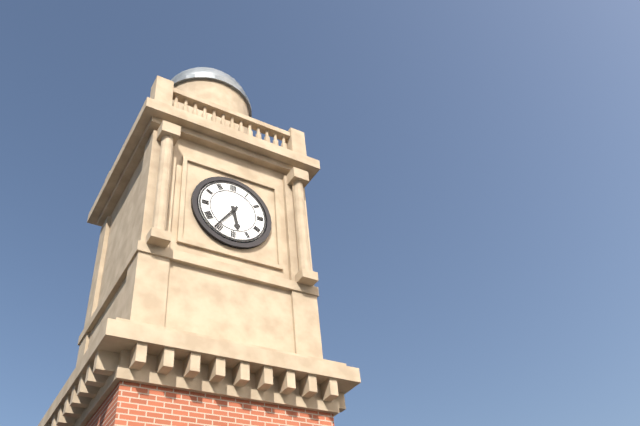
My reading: 5:36
